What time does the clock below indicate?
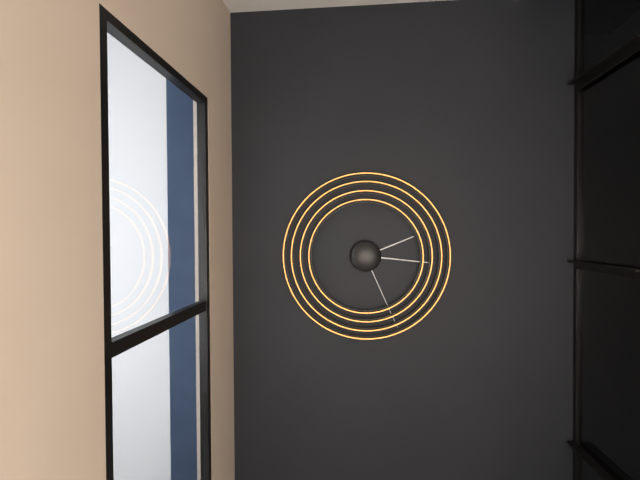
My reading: 2:16:26
